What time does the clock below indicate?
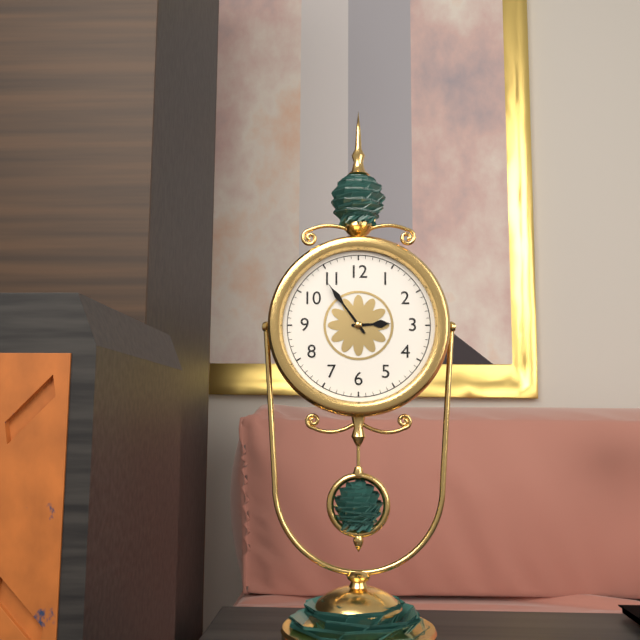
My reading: 2:54
